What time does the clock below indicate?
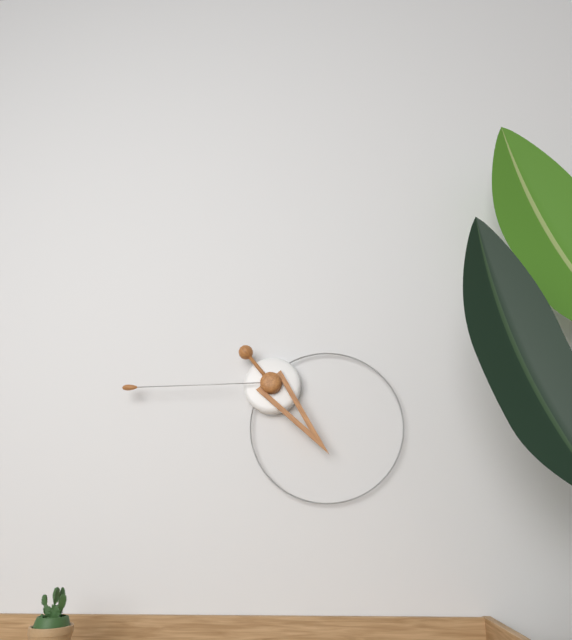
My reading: 4:45
